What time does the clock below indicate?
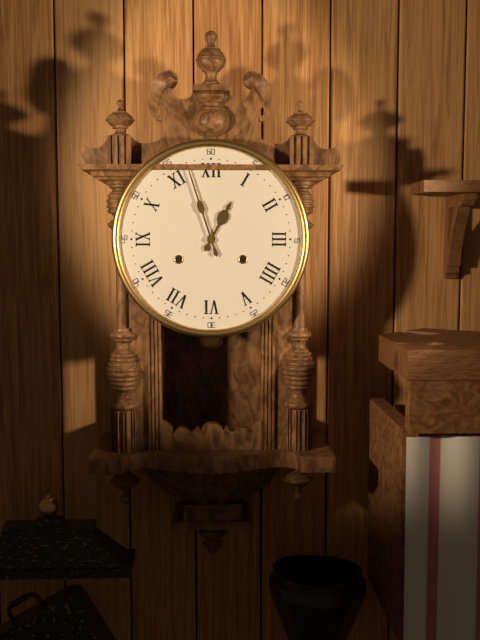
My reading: 12:57
